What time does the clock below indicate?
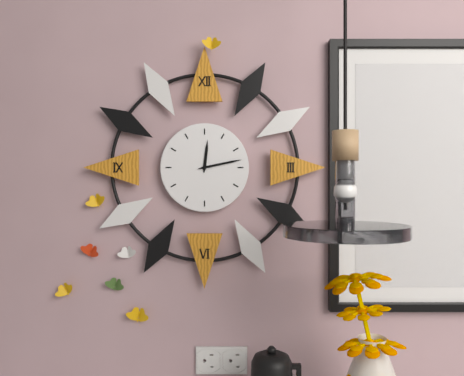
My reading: 12:13
